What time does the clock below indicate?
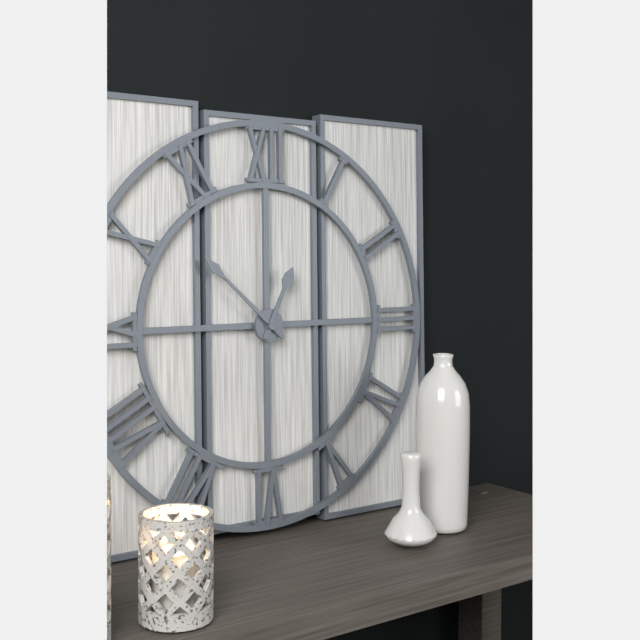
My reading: 12:52
